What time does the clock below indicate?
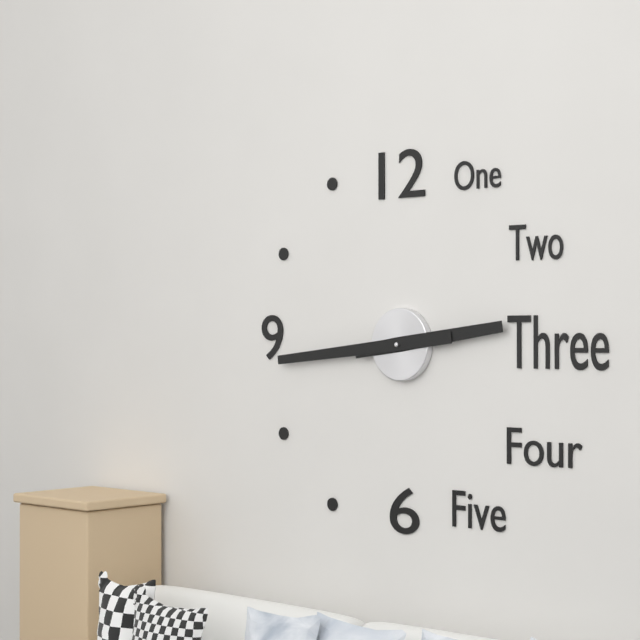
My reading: 2:44
